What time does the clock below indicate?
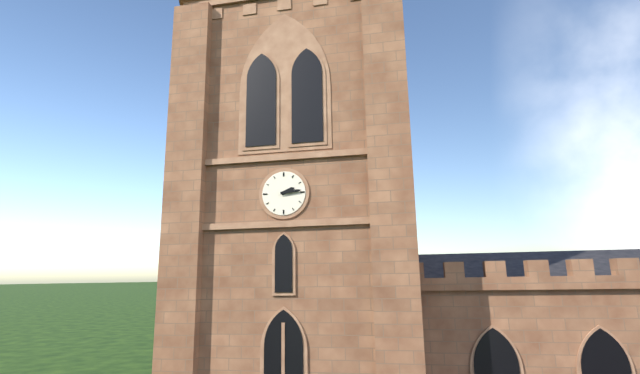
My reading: 2:14
